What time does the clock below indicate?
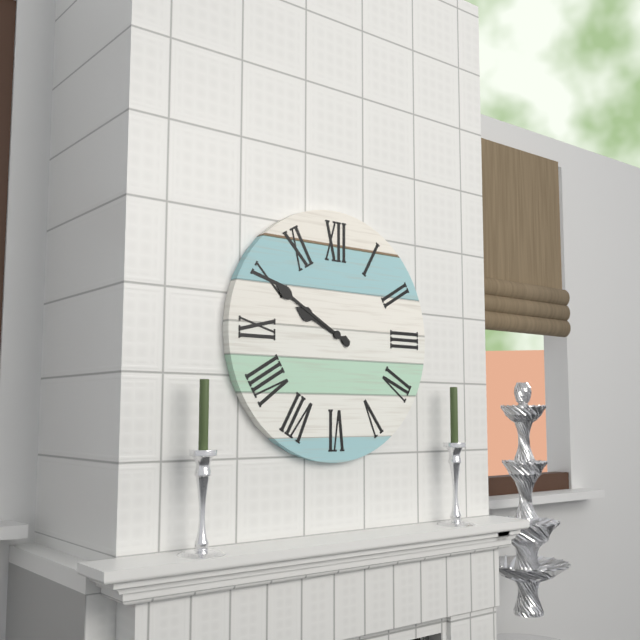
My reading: 9:50
